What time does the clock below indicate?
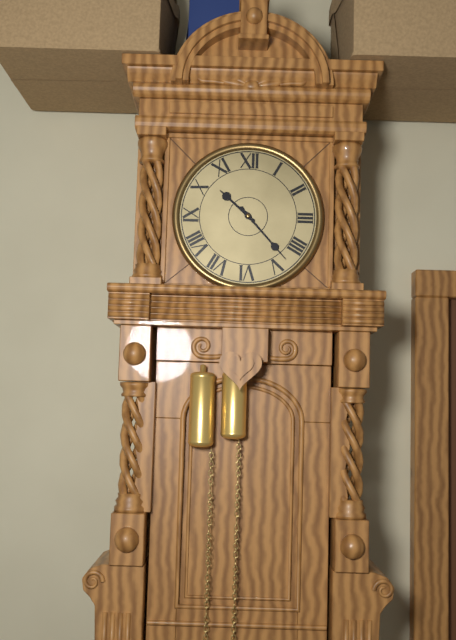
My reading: 10:23
